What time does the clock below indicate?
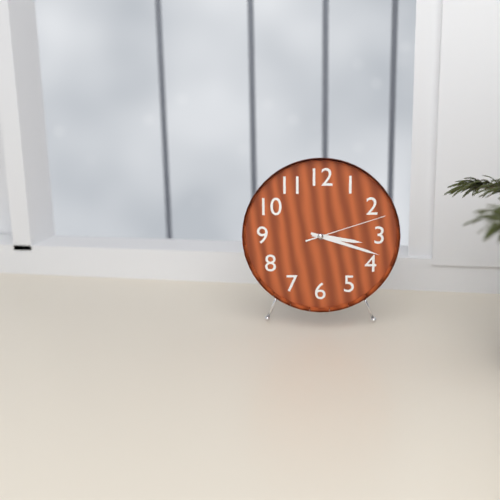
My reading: 3:18:12
